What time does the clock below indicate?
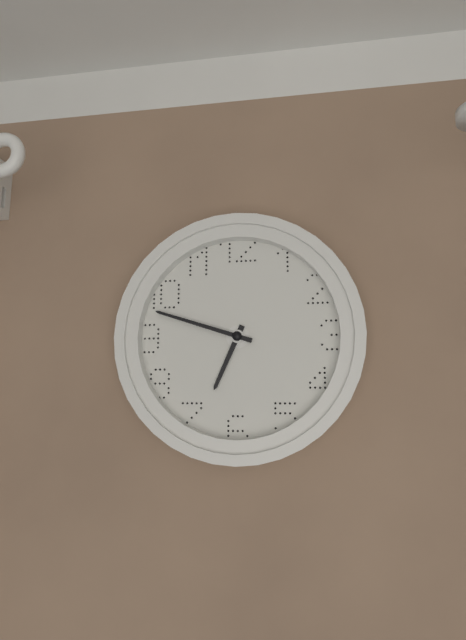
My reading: 6:48
